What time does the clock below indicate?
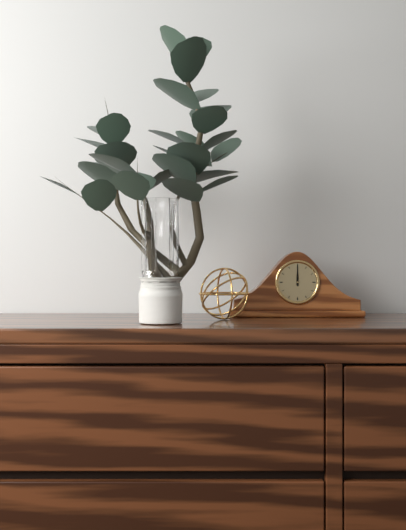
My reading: 12:00
